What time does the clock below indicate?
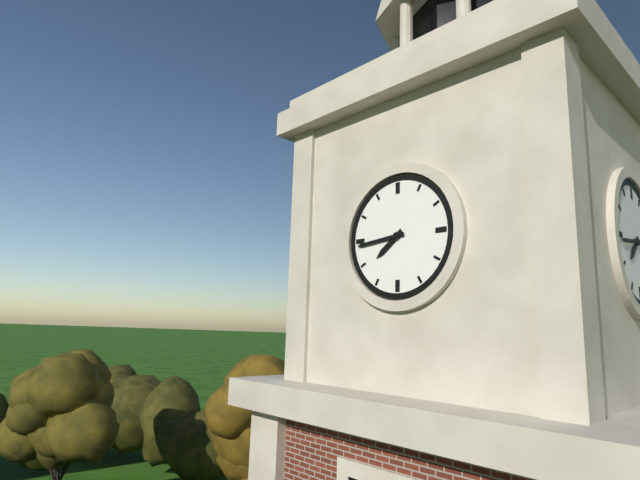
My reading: 7:44
